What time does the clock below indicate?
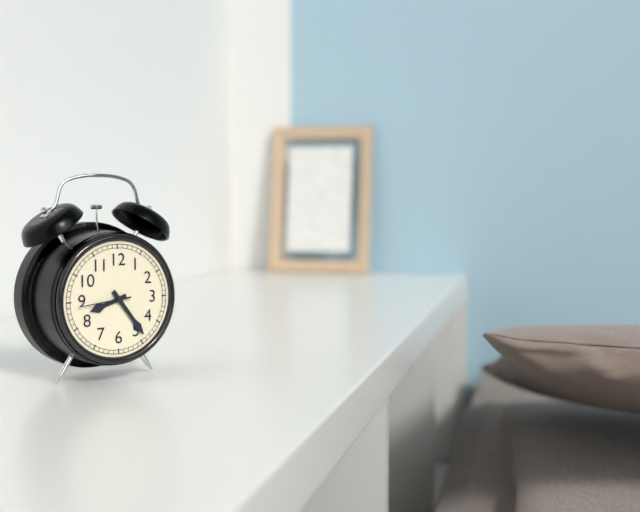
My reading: 8:24
